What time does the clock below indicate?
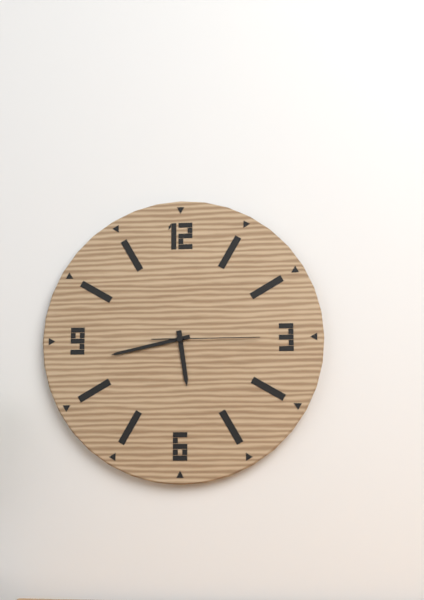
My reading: 5:43:15
